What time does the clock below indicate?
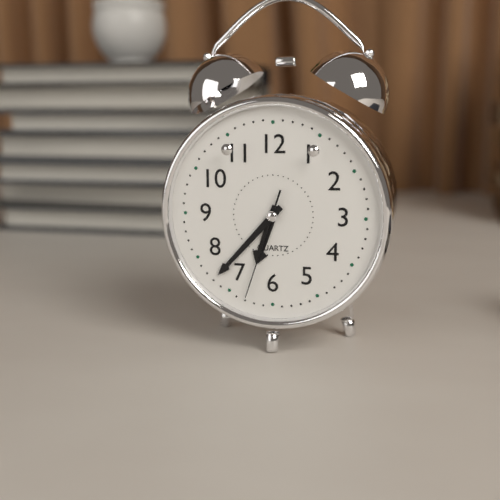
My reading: 6:37:33
